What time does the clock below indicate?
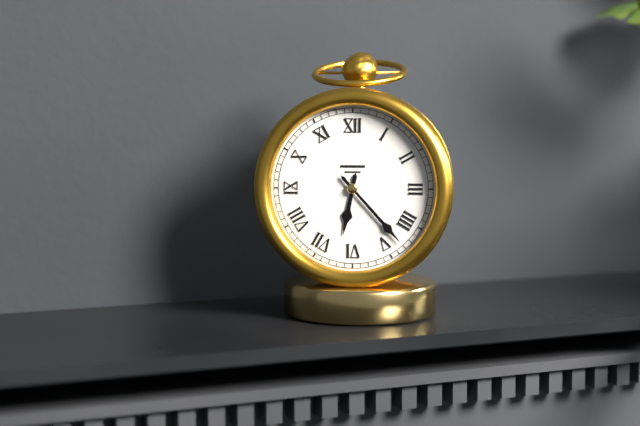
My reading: 6:23
